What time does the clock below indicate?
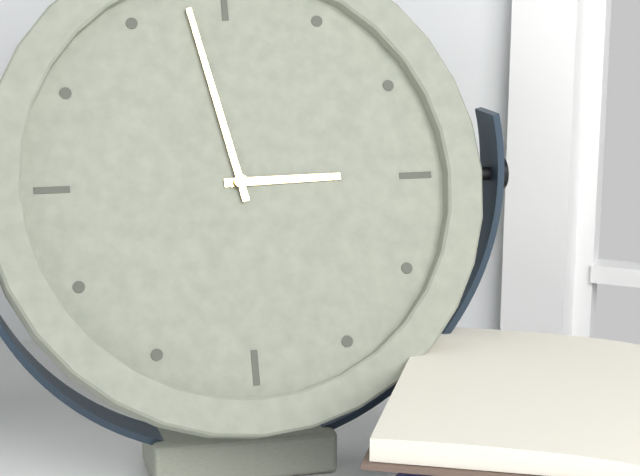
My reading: 2:58
